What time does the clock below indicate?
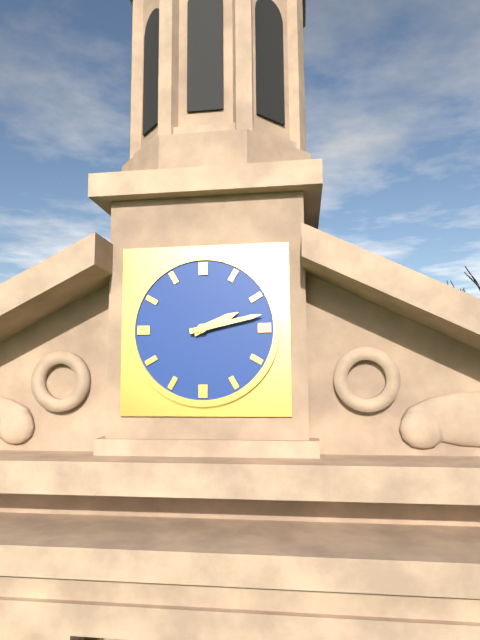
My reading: 2:13
